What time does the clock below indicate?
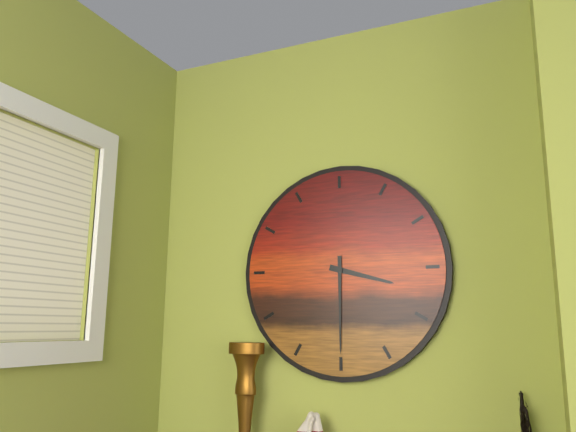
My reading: 3:30
